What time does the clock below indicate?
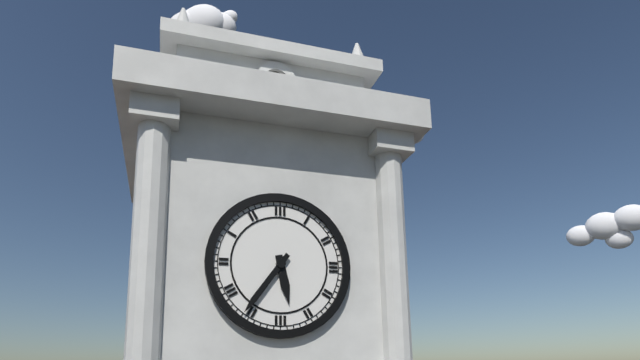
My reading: 5:36
